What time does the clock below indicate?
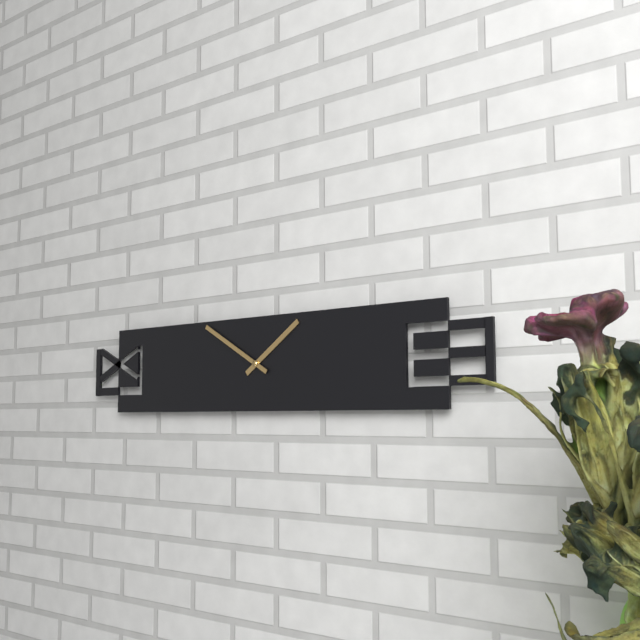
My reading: 1:50
